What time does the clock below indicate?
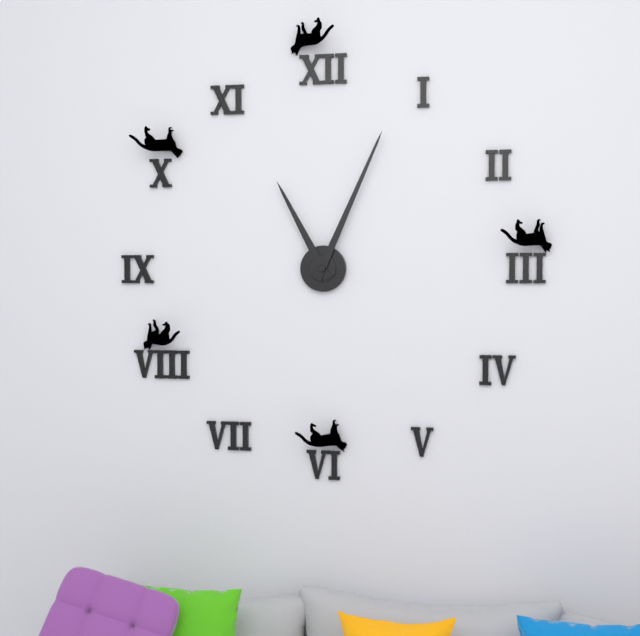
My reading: 11:04
